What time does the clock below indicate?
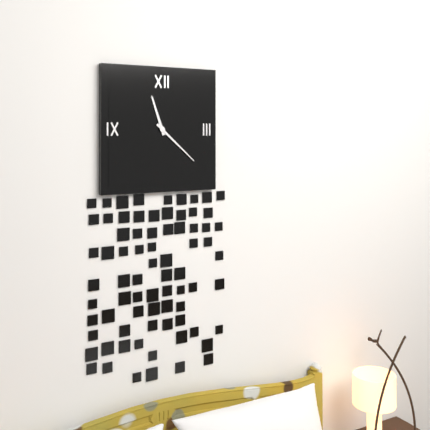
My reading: 11:22
